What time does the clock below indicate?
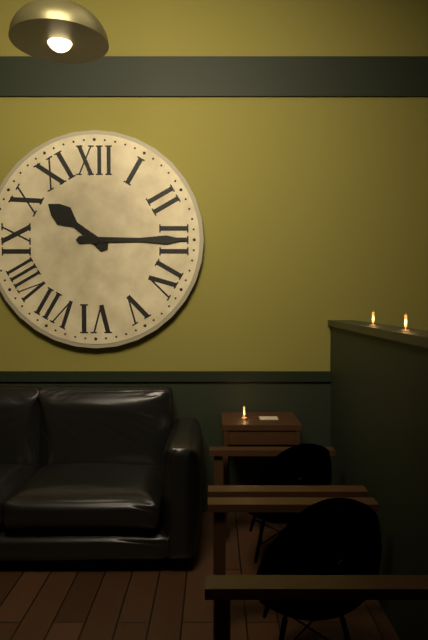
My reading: 10:15
